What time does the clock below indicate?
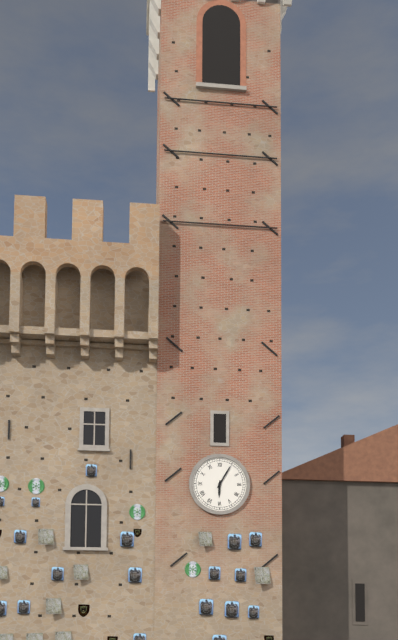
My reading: 6:05
